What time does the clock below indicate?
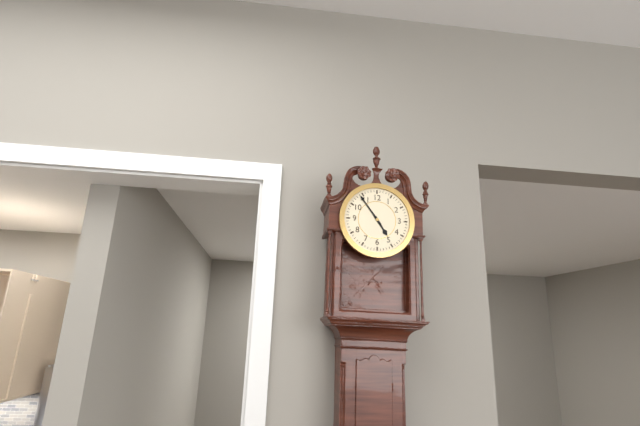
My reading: 4:54
